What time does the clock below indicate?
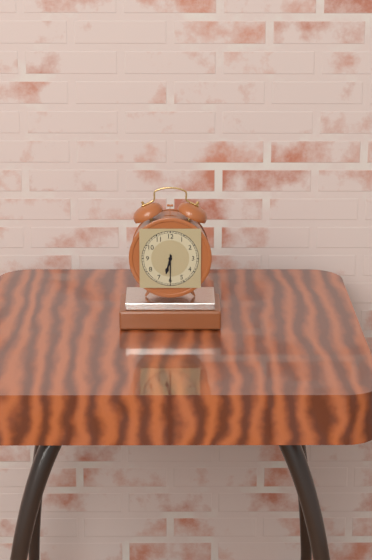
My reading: 6:30
